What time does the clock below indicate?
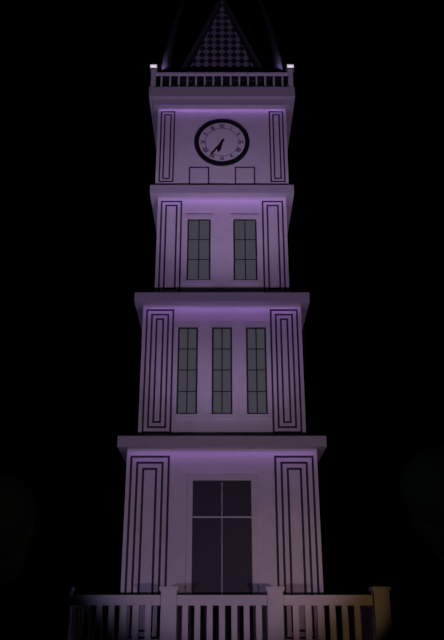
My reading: 6:36
